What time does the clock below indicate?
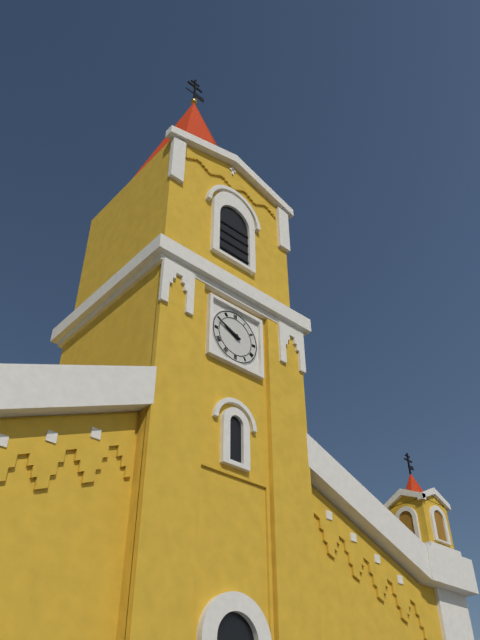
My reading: 9:49
